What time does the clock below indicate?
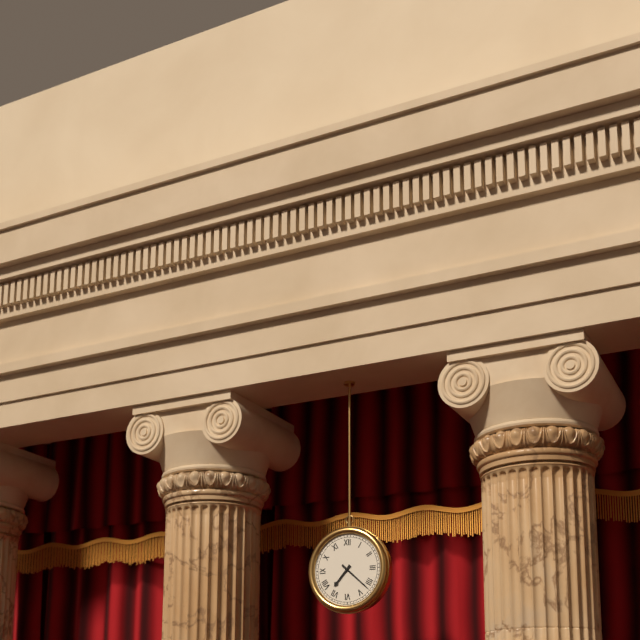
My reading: 7:22
